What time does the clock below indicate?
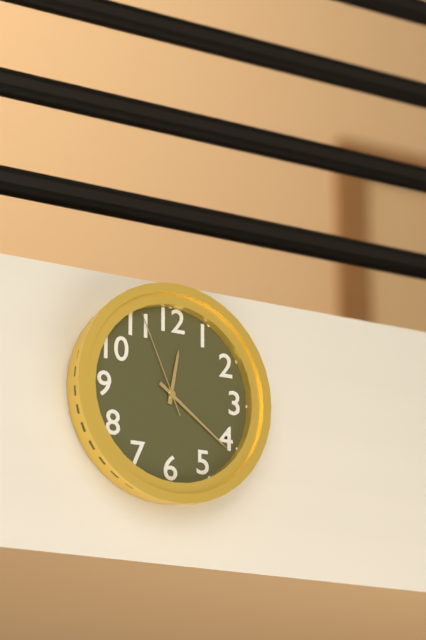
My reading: 12:21:56
